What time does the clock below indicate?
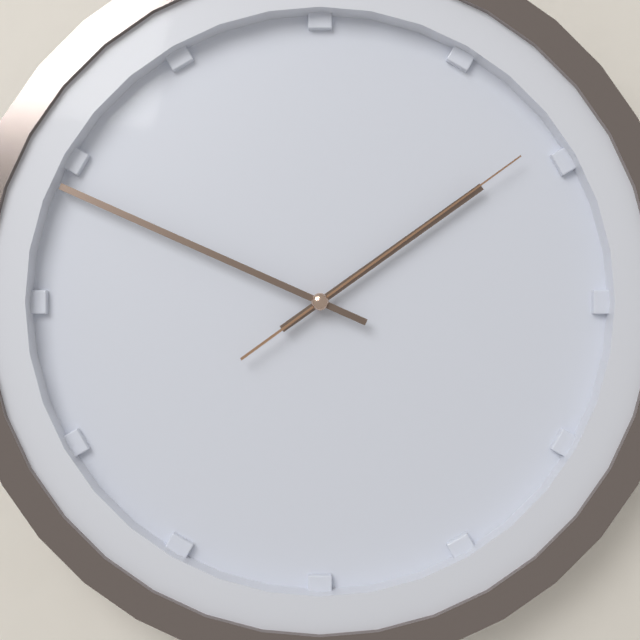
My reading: 1:49:09
